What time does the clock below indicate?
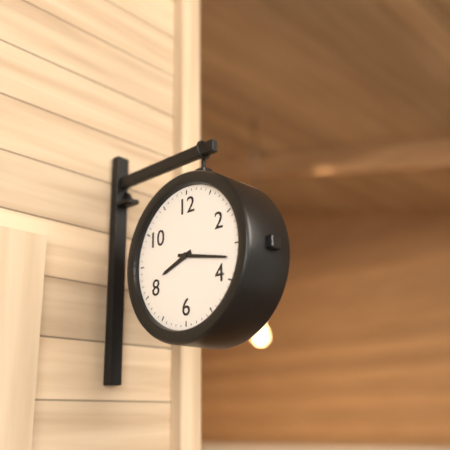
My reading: 8:17
